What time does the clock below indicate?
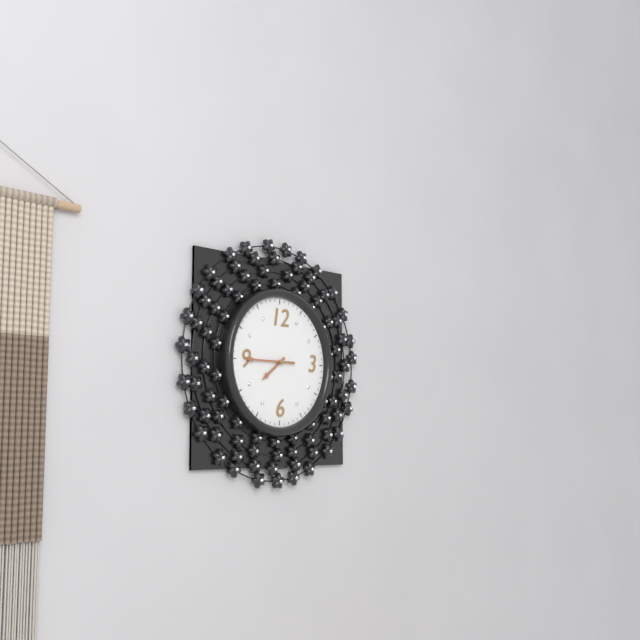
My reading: 7:45
